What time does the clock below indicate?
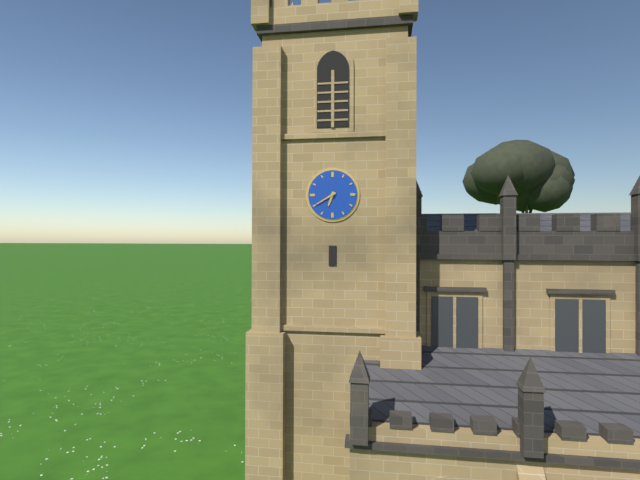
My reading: 6:40
